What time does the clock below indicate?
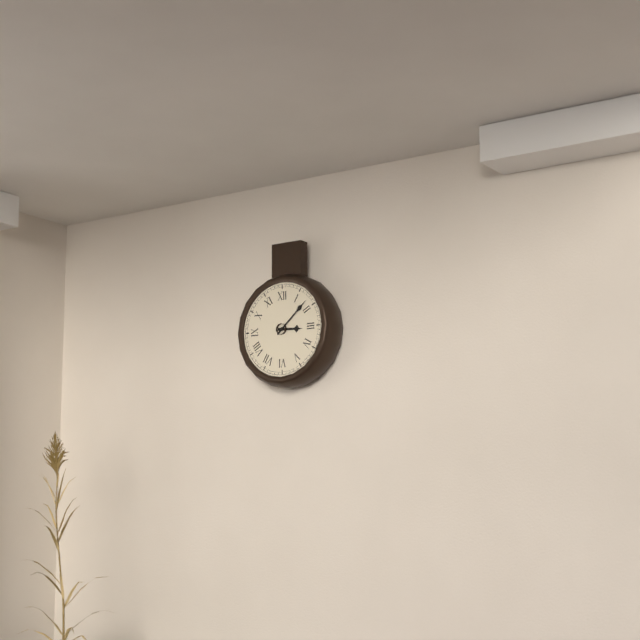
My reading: 3:08
